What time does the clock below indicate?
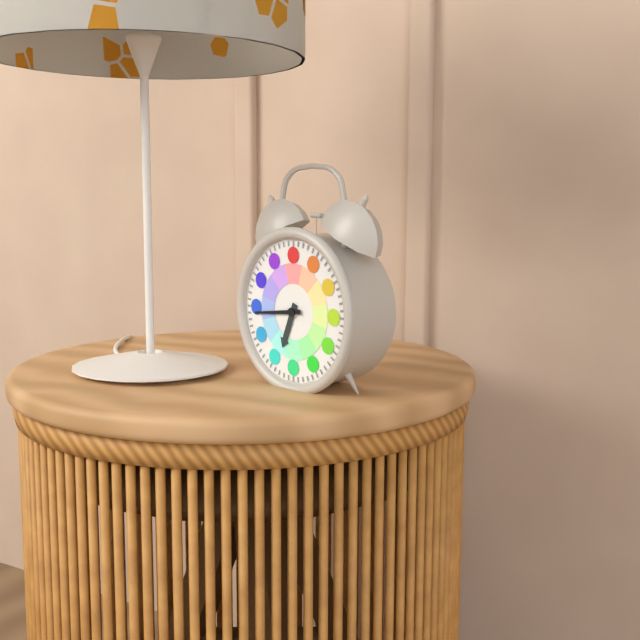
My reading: 6:44
